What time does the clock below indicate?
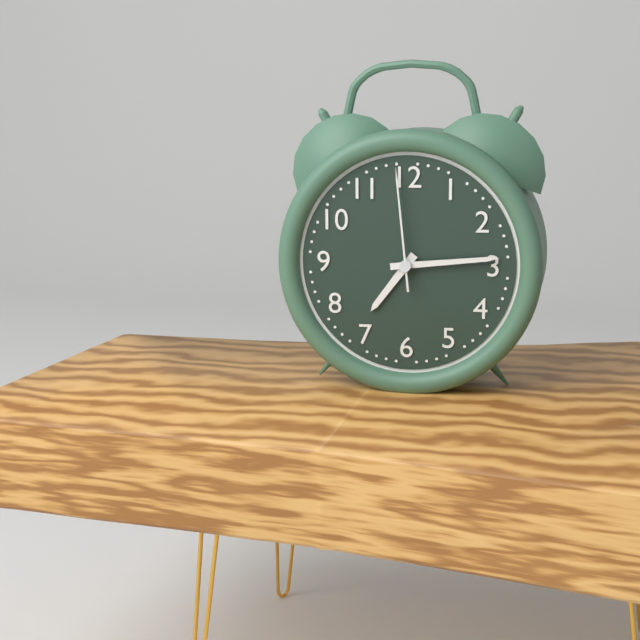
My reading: 7:14:59
